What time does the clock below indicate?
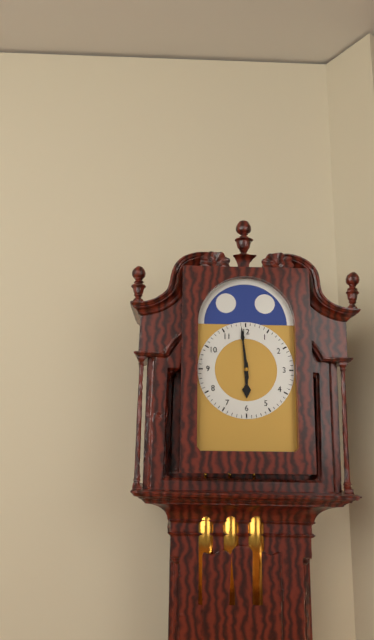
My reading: 5:59
